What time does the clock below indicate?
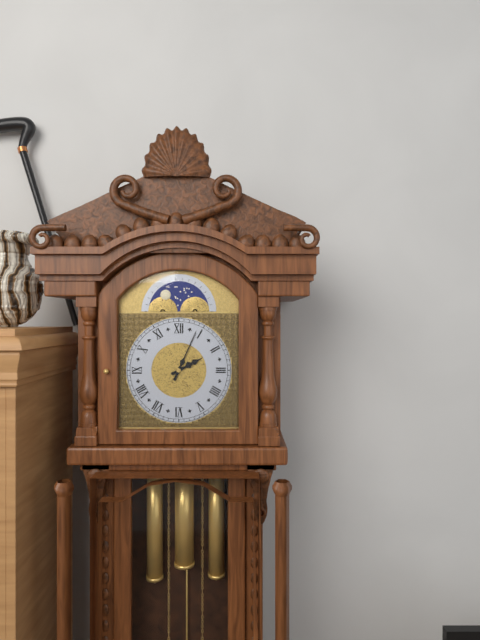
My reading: 2:04
